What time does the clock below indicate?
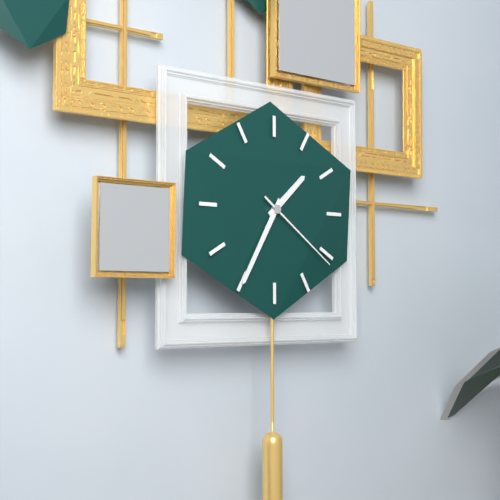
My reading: 1:35:21
